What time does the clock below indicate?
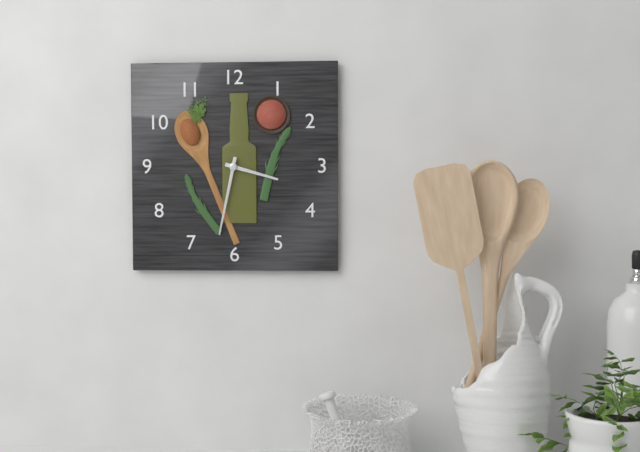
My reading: 3:32
